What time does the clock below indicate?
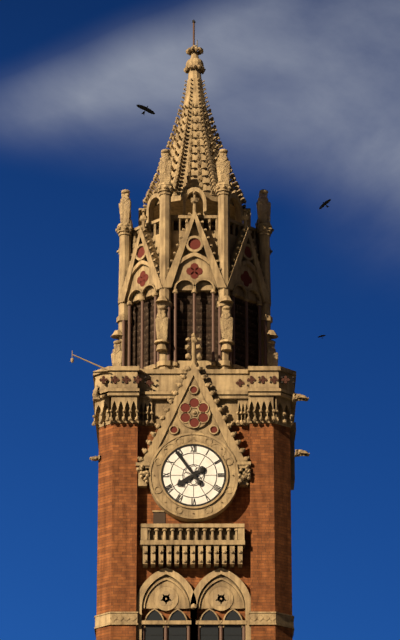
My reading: 7:54
